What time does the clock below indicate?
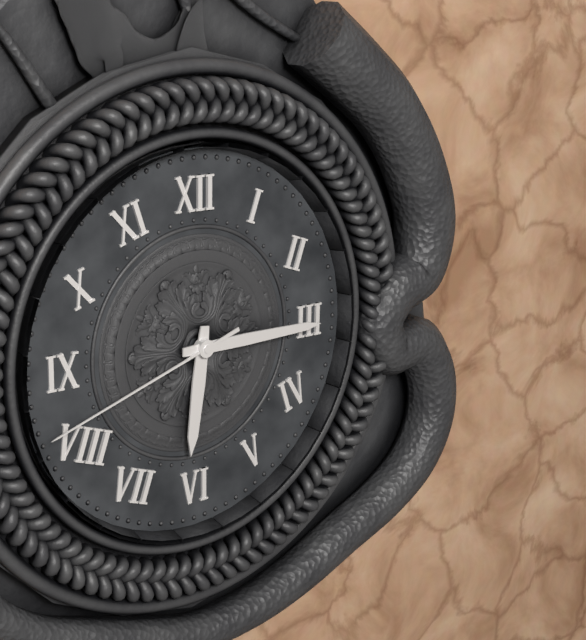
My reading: 6:15:42
